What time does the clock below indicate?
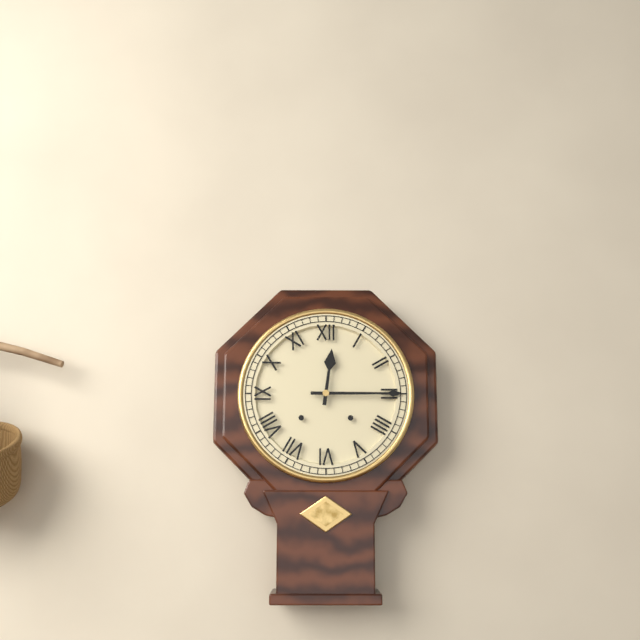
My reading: 12:15
